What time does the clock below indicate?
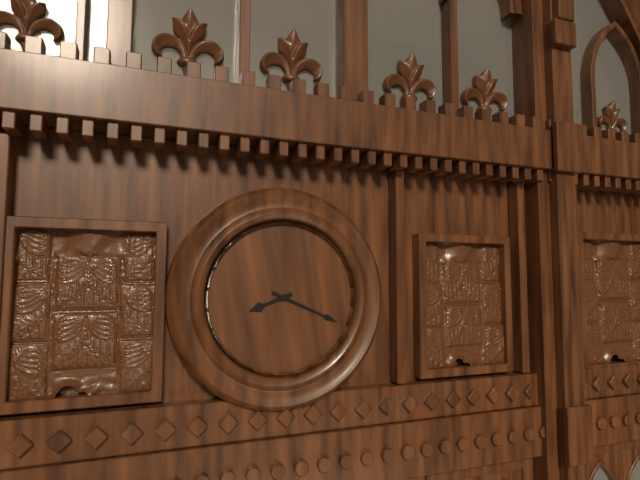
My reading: 8:19
